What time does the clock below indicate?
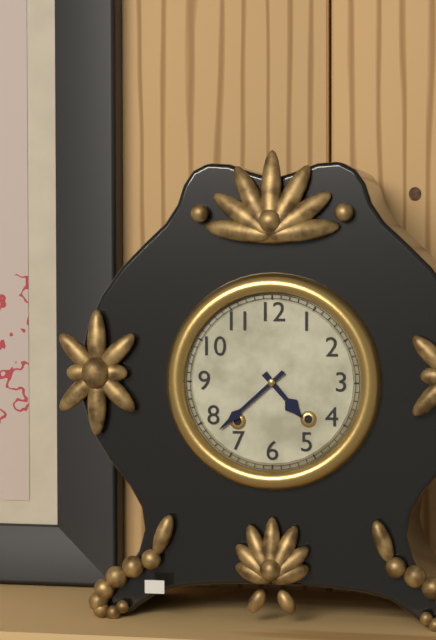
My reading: 4:38
